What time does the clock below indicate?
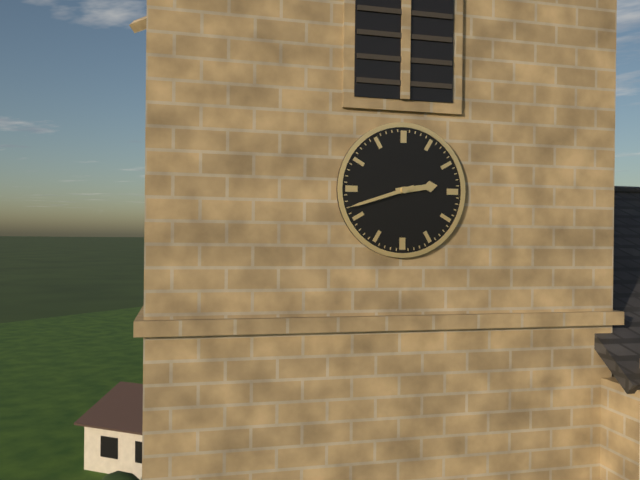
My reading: 2:42
